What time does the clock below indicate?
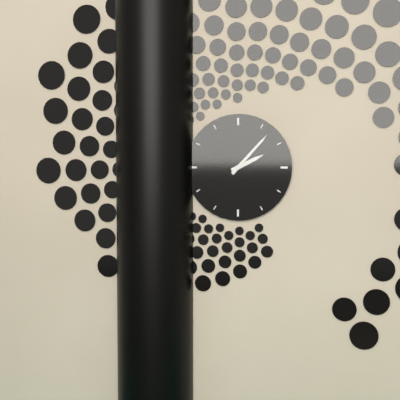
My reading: 2:07
